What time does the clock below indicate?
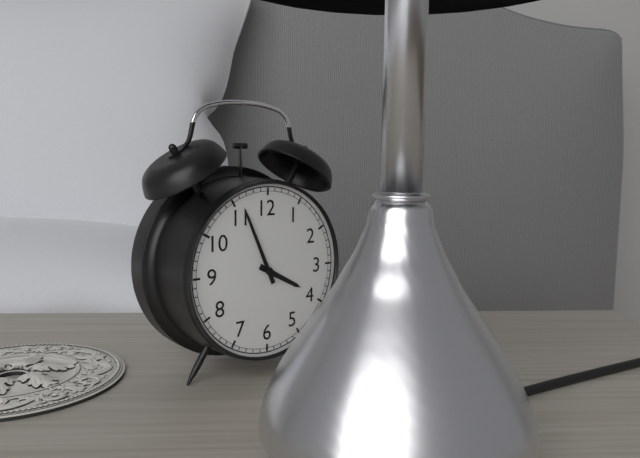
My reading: 3:56
